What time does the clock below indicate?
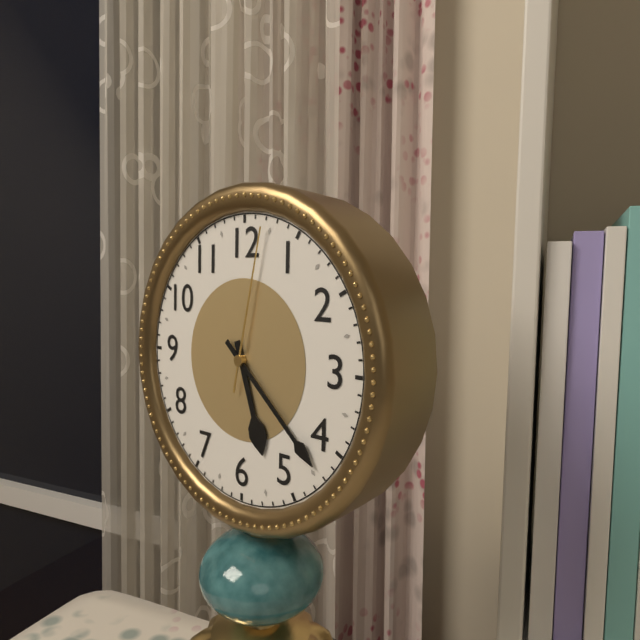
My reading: 5:22:02
